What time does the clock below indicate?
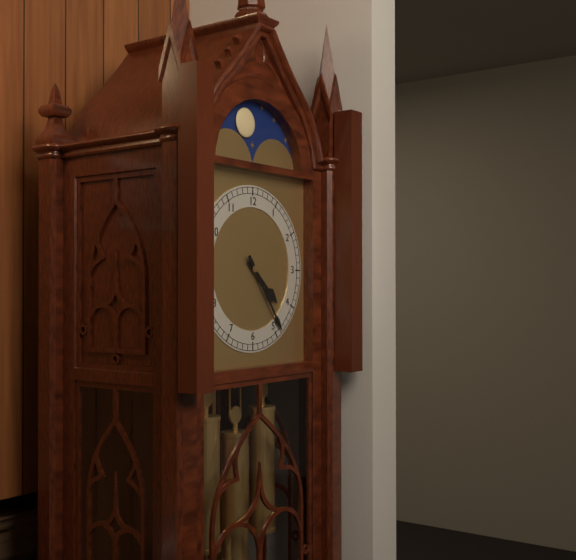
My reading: 4:24
